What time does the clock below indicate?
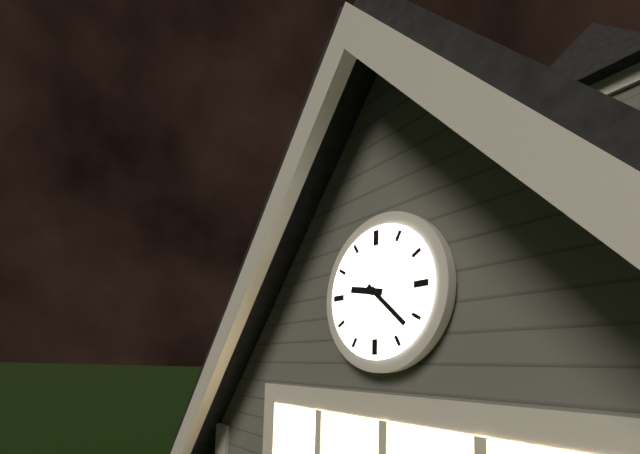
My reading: 9:22
